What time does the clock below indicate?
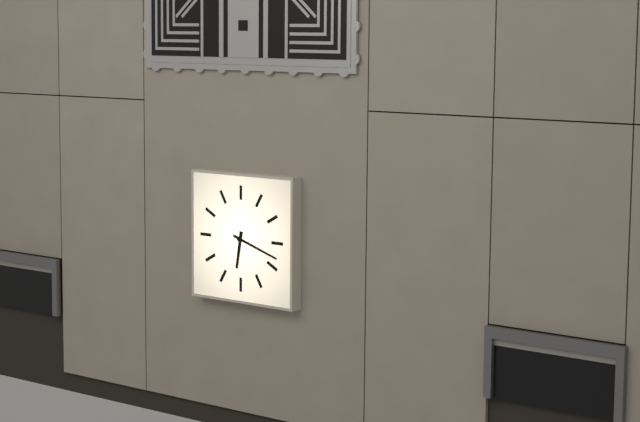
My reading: 6:18
